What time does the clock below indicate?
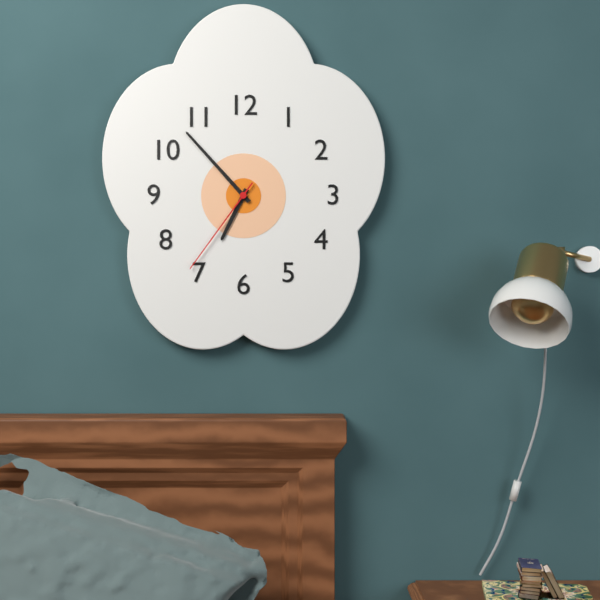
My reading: 6:53:36
